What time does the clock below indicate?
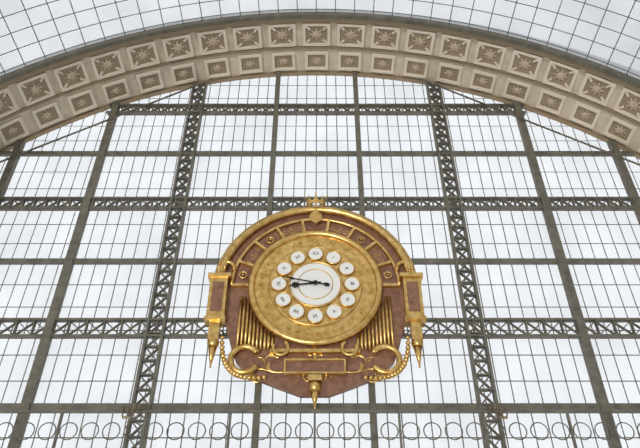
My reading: 8:47
